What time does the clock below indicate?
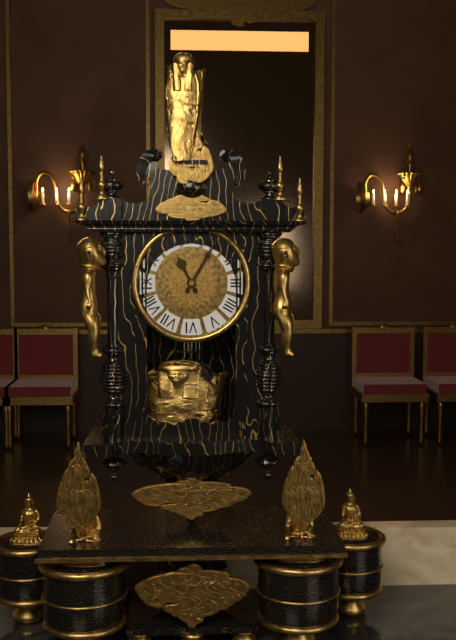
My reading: 11:05
